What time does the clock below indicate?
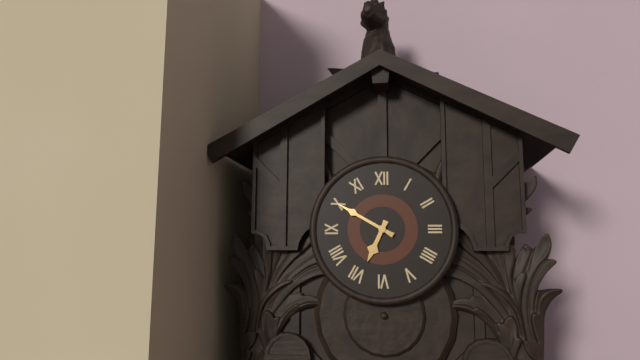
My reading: 6:50
